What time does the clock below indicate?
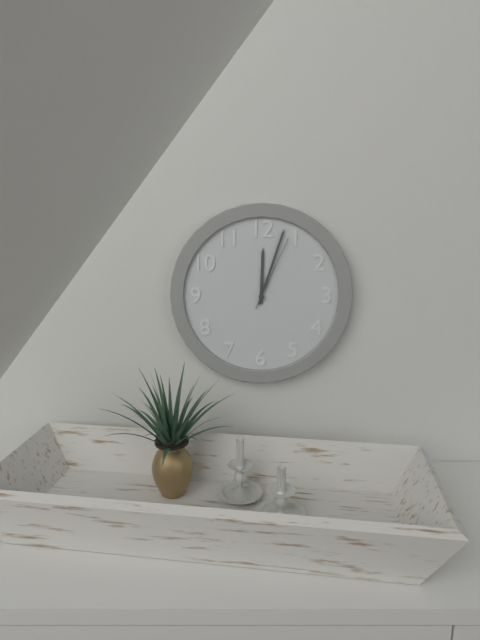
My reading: 12:03:04
